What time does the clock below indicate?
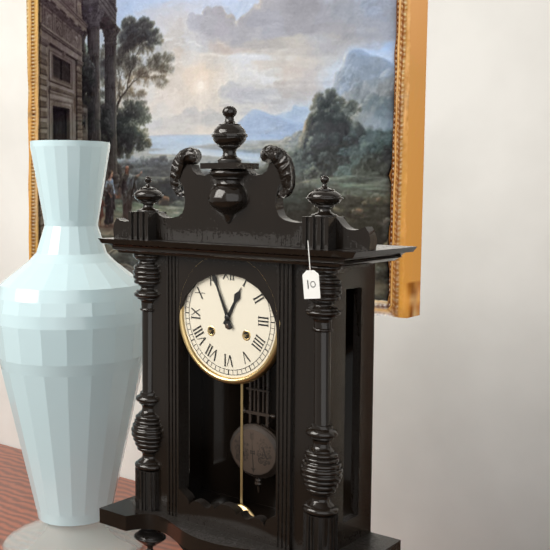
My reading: 12:56
